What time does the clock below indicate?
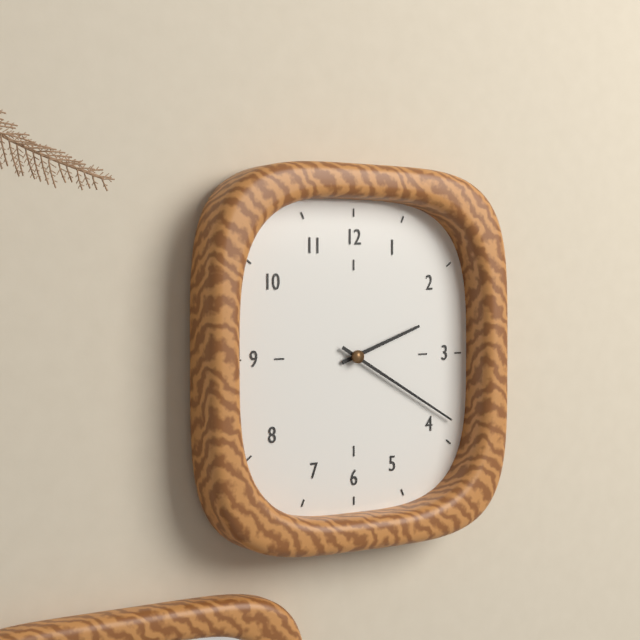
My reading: 2:20
